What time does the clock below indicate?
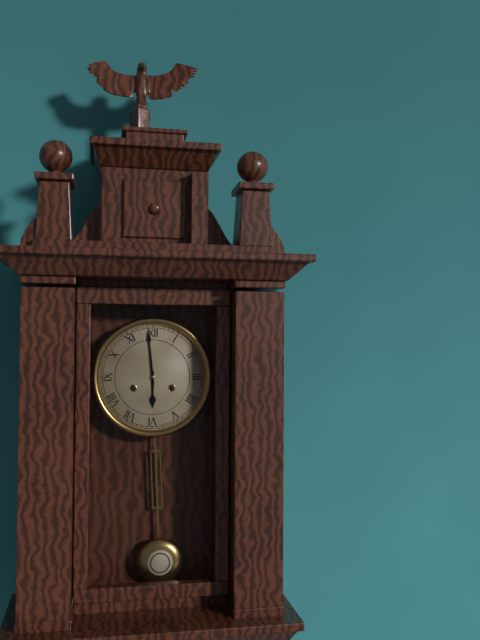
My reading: 5:59
